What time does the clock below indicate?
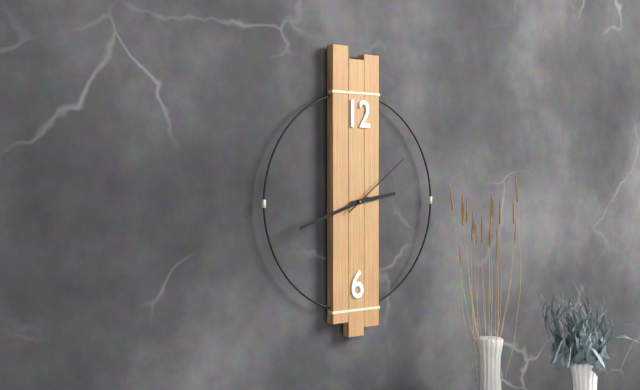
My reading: 2:42:09
